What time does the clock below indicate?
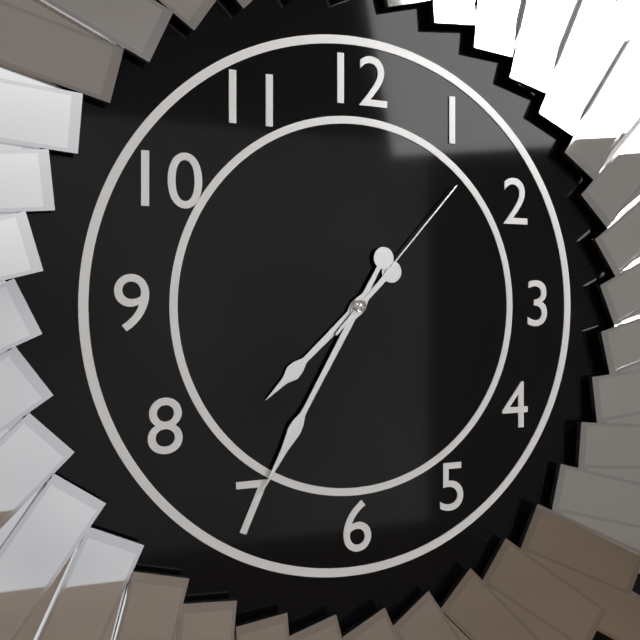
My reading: 7:35:07
